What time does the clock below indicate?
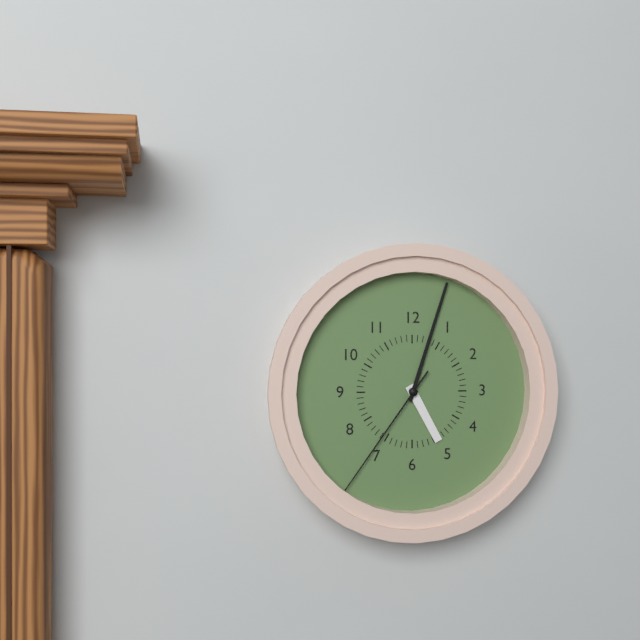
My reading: 5:03:36
